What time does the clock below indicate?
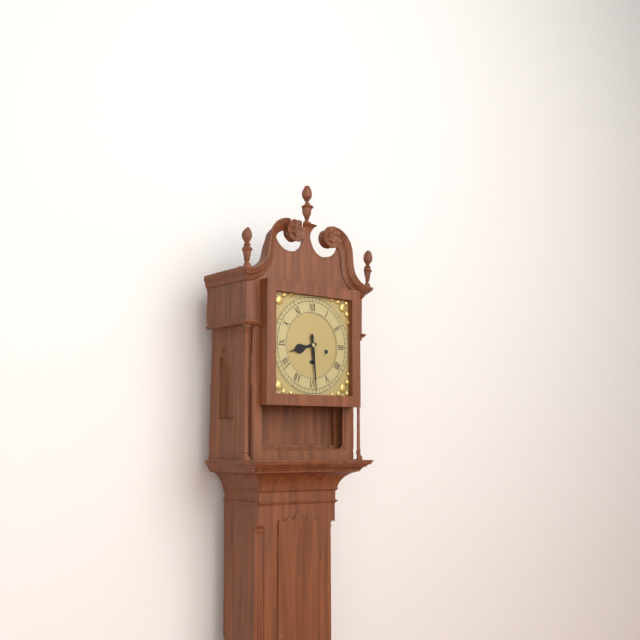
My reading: 8:29
